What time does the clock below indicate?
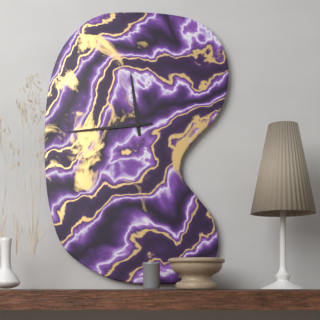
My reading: 11:44
